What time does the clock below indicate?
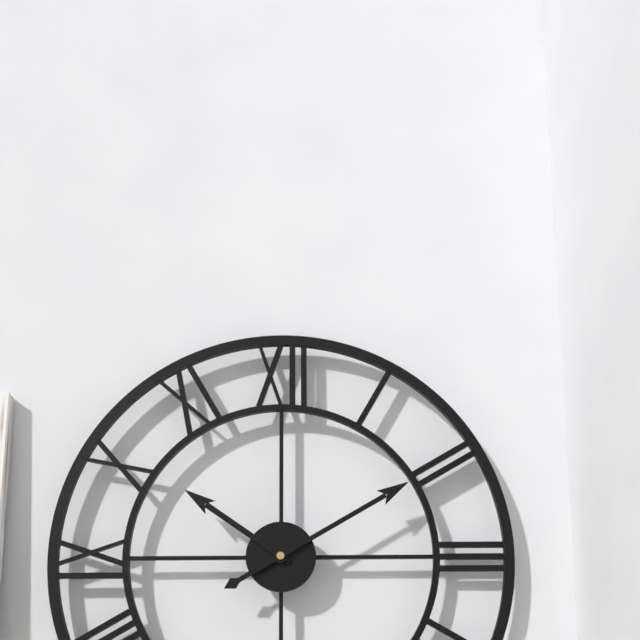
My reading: 10:10
